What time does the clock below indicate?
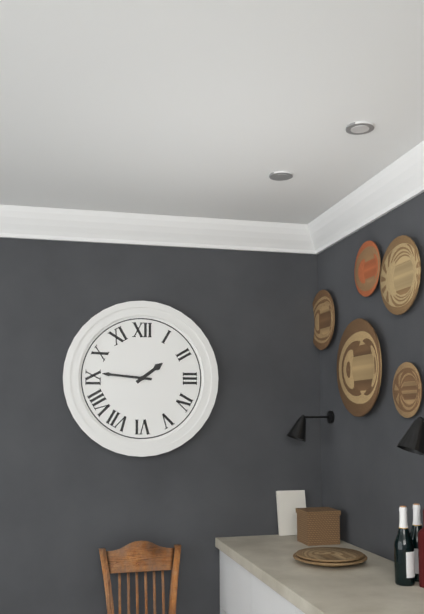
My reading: 1:46
